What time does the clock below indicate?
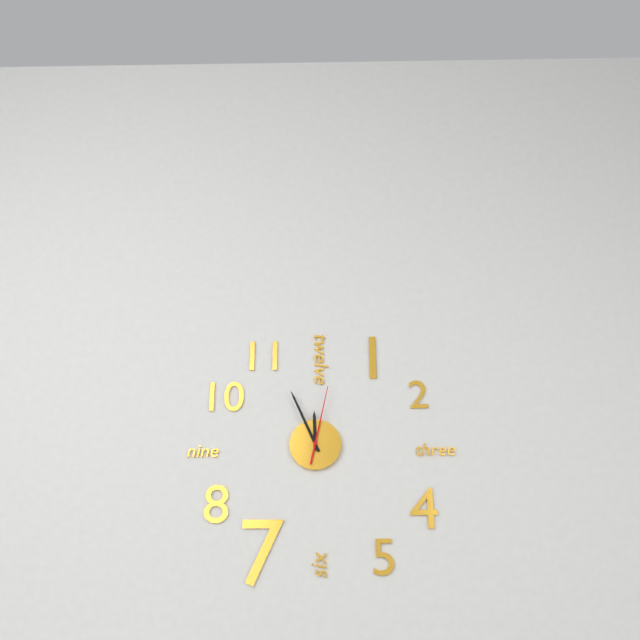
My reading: 11:56:02
